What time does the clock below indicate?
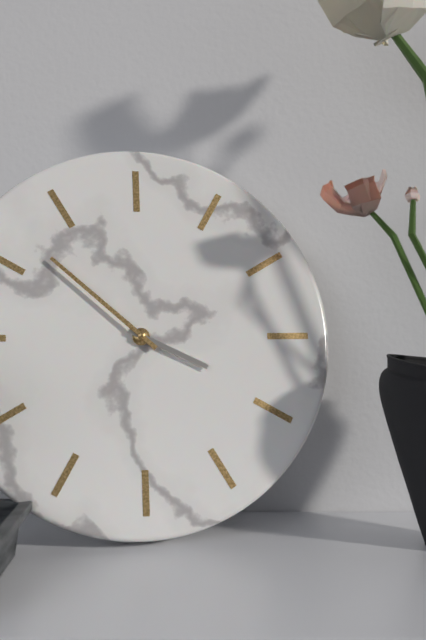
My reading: 3:52
